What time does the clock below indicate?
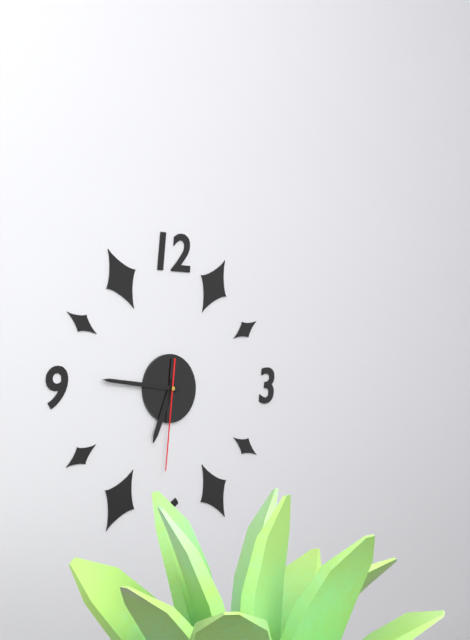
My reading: 6:46:31
